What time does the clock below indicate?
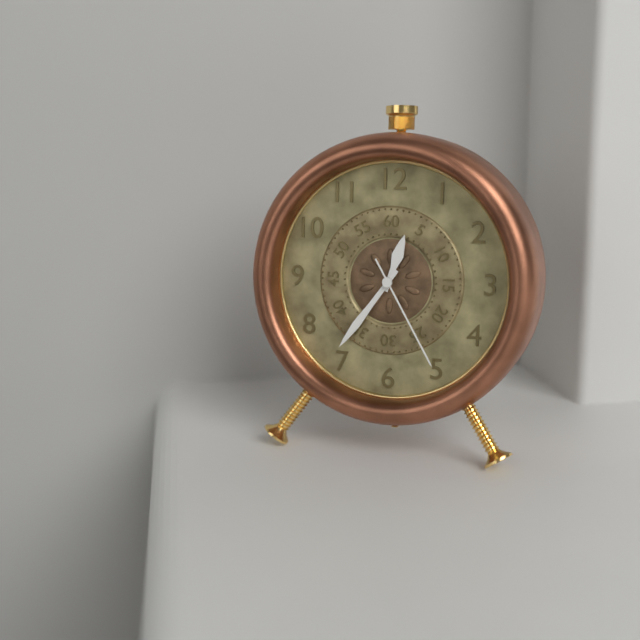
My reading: 12:36:25
